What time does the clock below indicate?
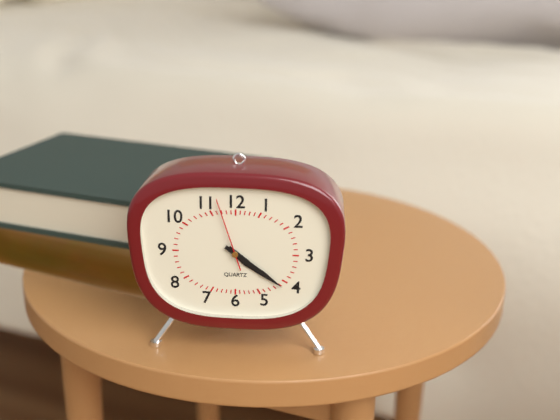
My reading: 4:21:57
